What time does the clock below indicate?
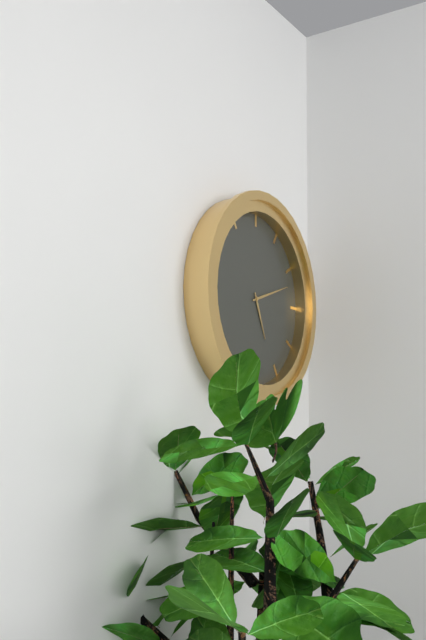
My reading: 5:12
